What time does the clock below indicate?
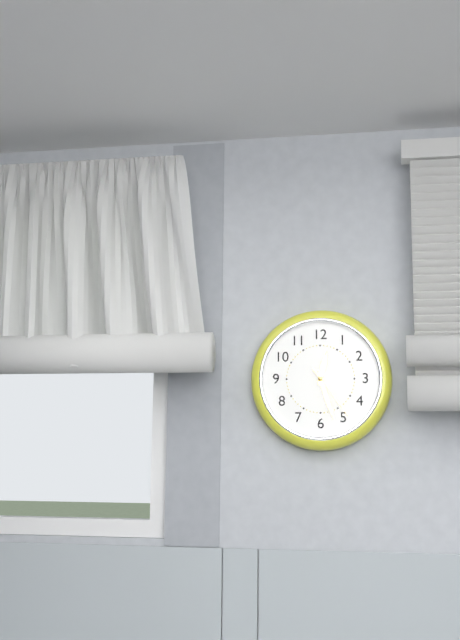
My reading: 12:27:24
